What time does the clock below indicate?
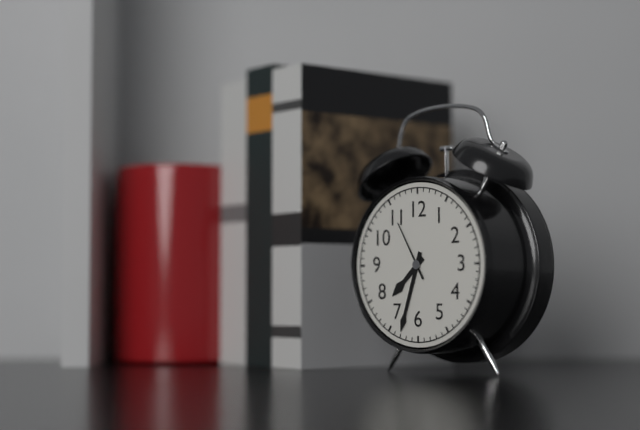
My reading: 7:33:55
